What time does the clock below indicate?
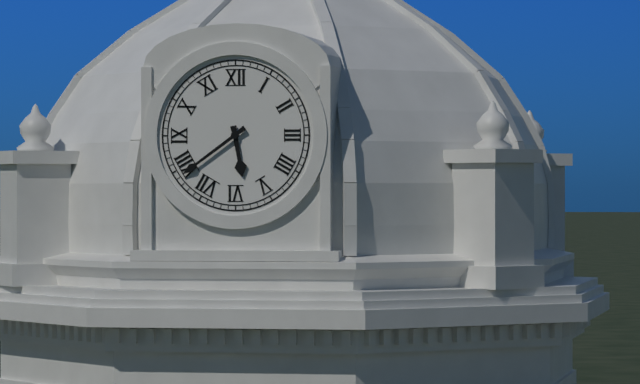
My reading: 5:39
